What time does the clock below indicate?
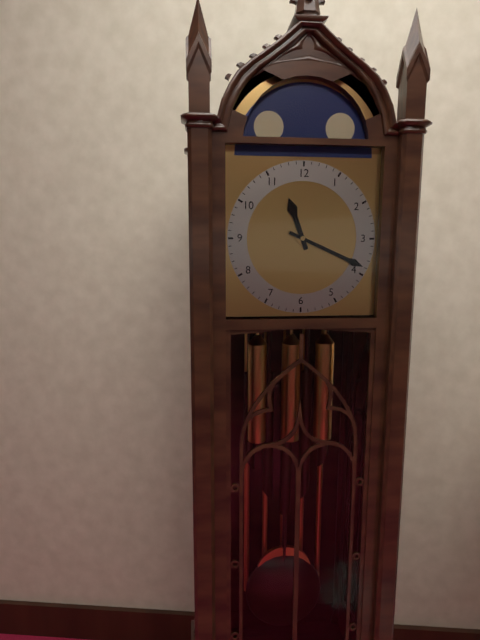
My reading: 11:19
